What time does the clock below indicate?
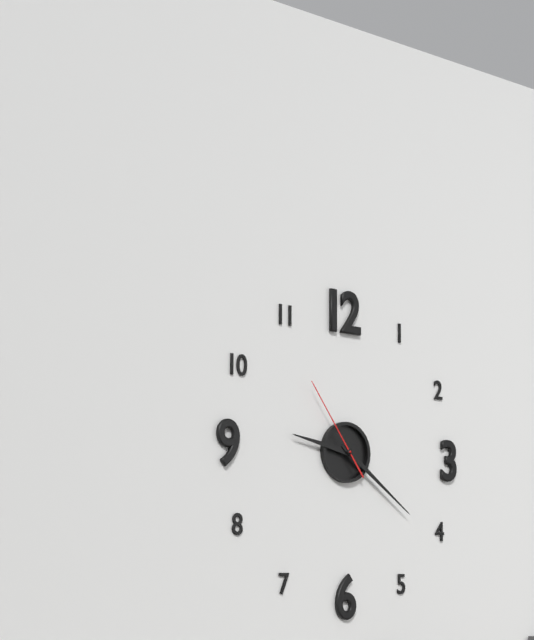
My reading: 9:21:54
